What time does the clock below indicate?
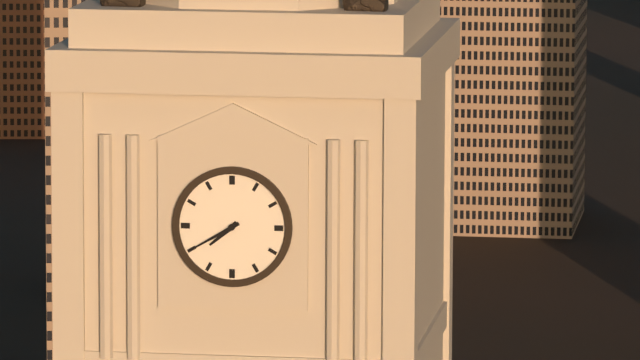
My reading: 7:40
